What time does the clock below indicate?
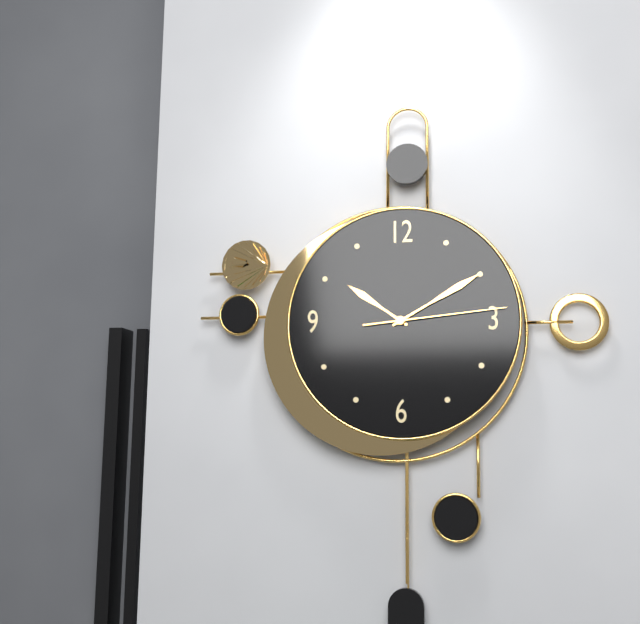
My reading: 10:10:14
